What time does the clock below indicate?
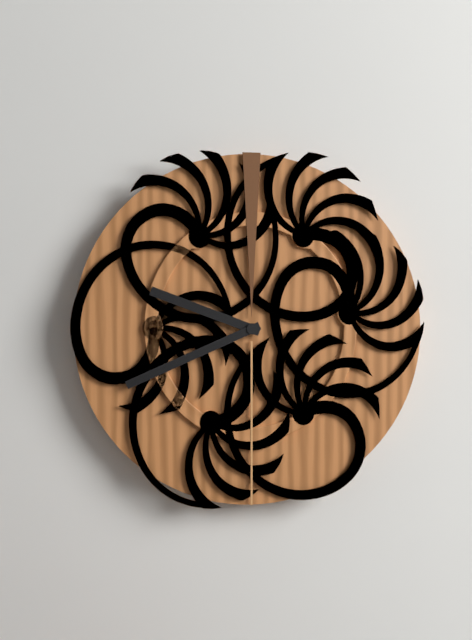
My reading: 9:41
